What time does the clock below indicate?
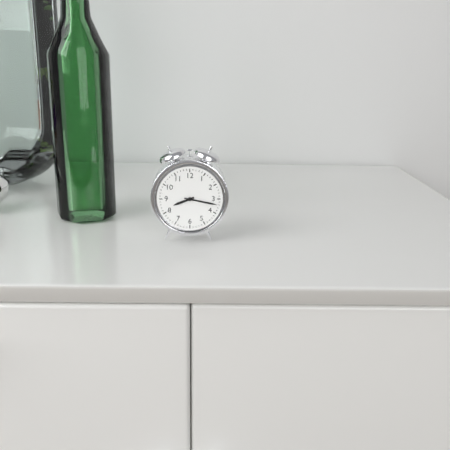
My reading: 8:17
